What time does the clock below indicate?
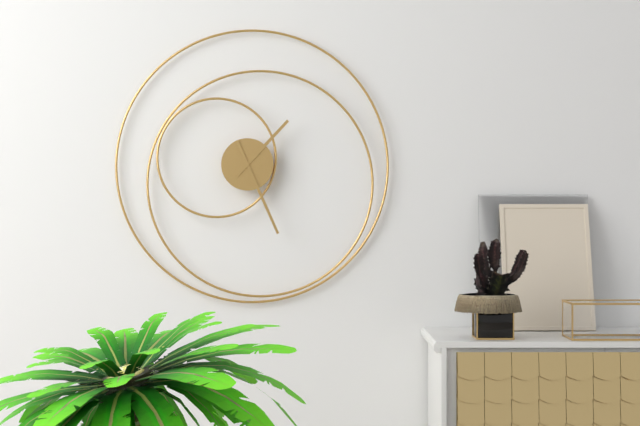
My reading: 1:26
